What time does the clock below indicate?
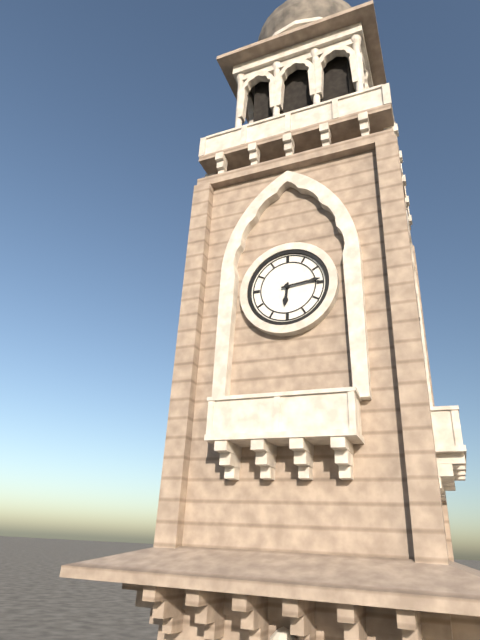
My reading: 6:14
